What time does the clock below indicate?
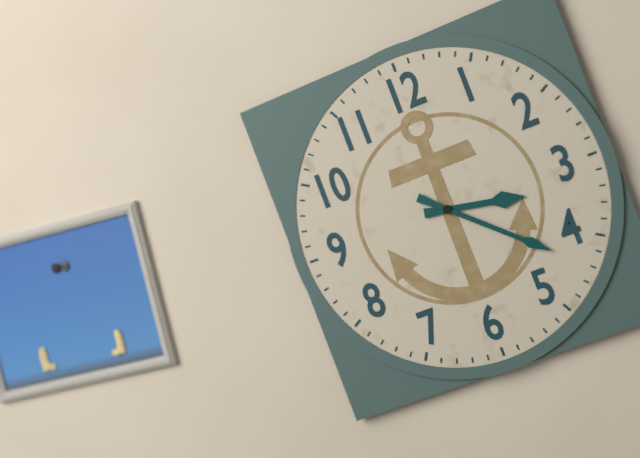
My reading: 3:22
